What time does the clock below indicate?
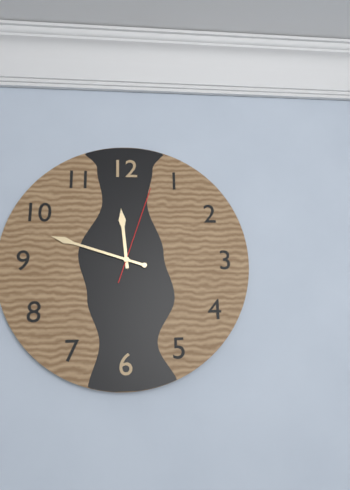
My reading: 11:48:03
